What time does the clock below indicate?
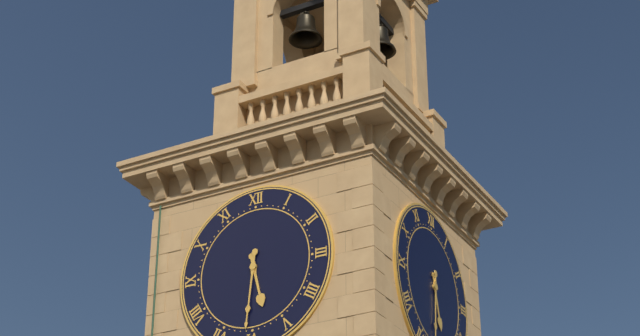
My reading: 5:31
